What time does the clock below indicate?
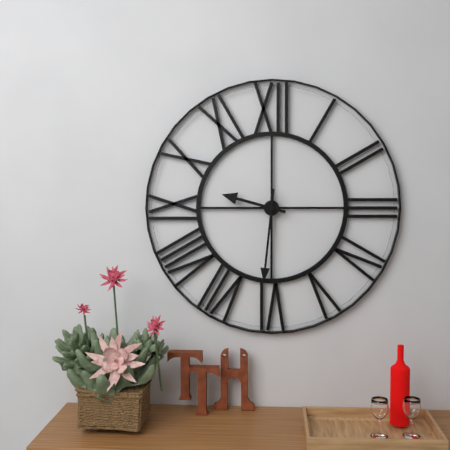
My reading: 9:31
